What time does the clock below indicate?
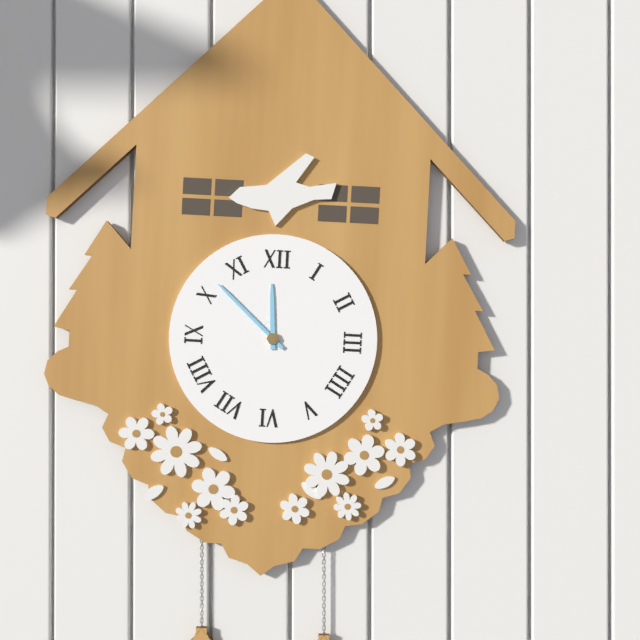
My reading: 11:52
